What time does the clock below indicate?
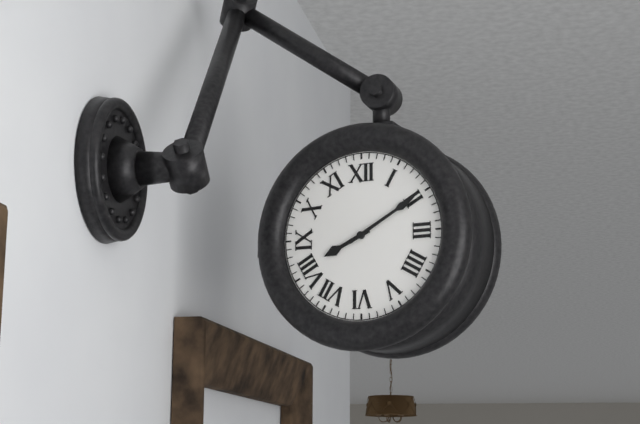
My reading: 8:10
